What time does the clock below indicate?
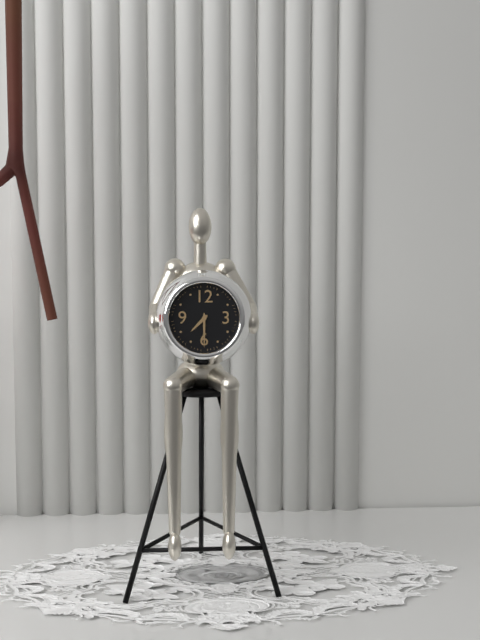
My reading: 7:30
